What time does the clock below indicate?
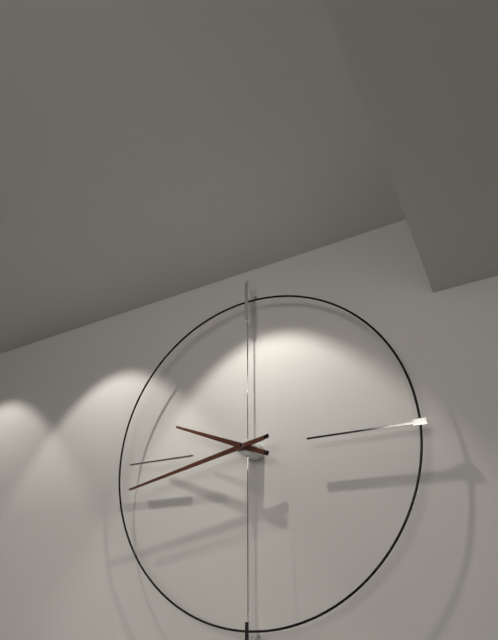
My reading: 9:43
